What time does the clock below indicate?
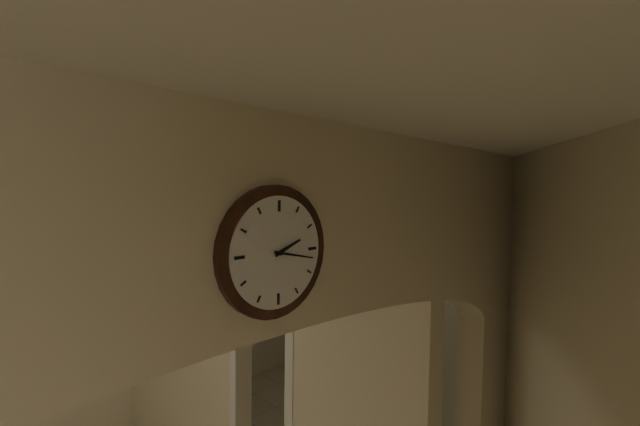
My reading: 2:17
